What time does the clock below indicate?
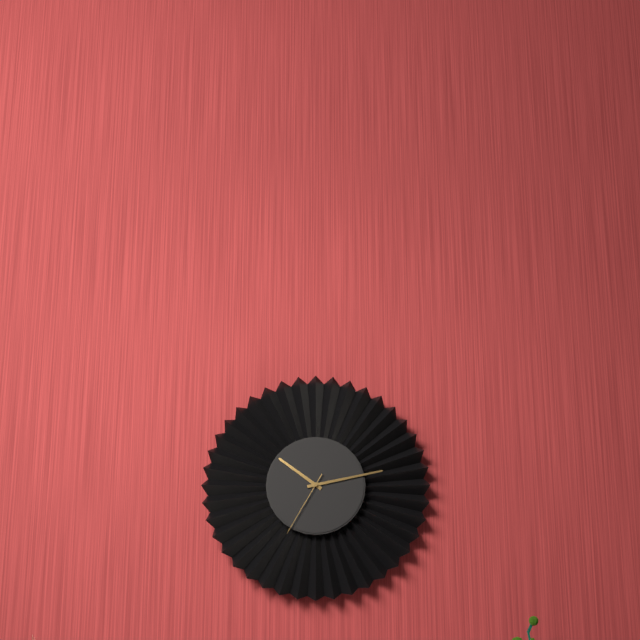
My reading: 10:13:35
